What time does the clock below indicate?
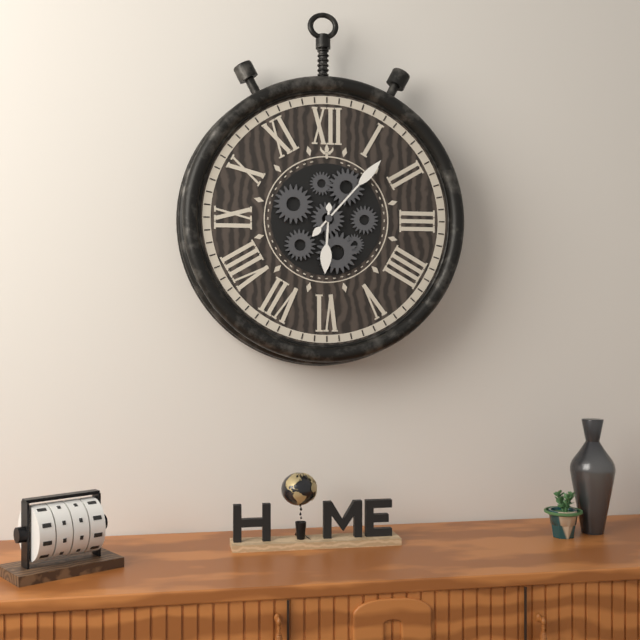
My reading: 6:07
